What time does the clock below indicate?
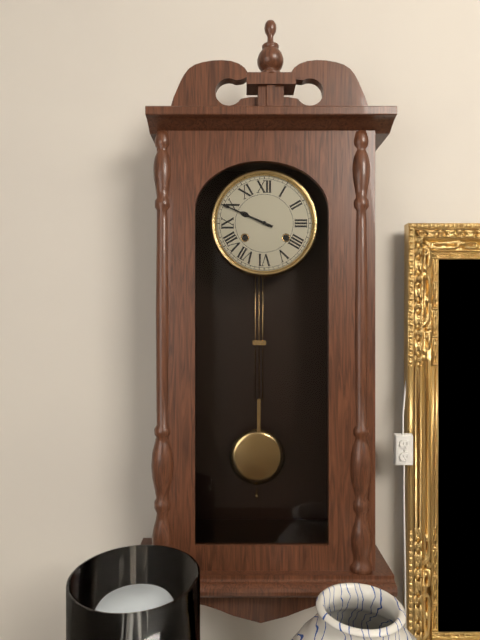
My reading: 9:49
